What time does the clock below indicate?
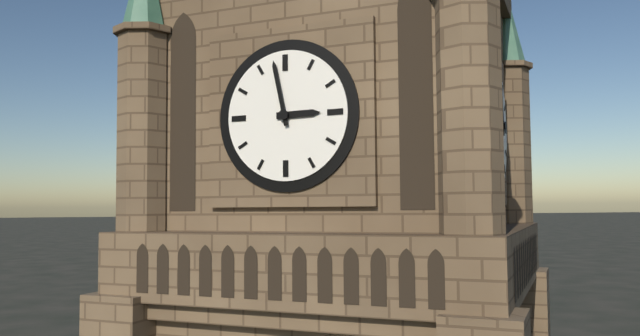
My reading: 2:58
